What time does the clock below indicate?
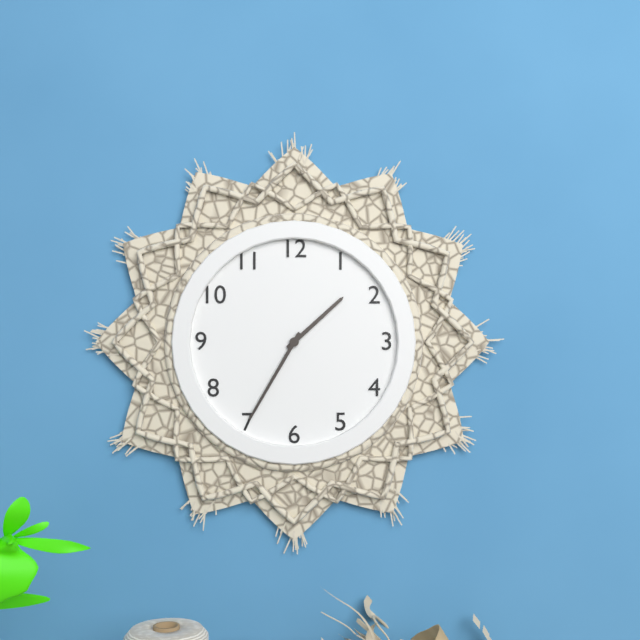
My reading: 1:35
